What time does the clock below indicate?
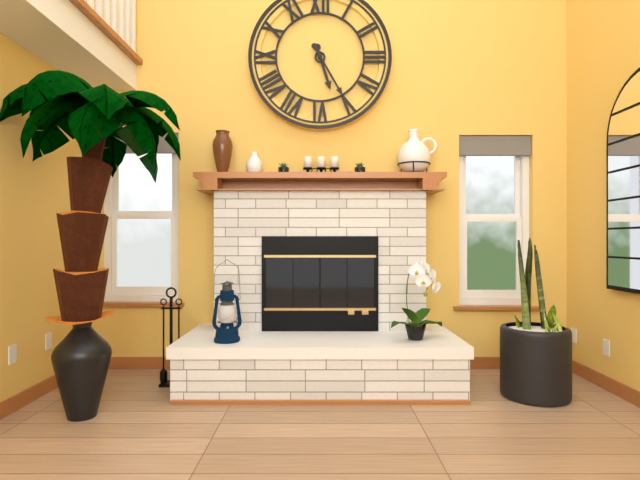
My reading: 5:25
